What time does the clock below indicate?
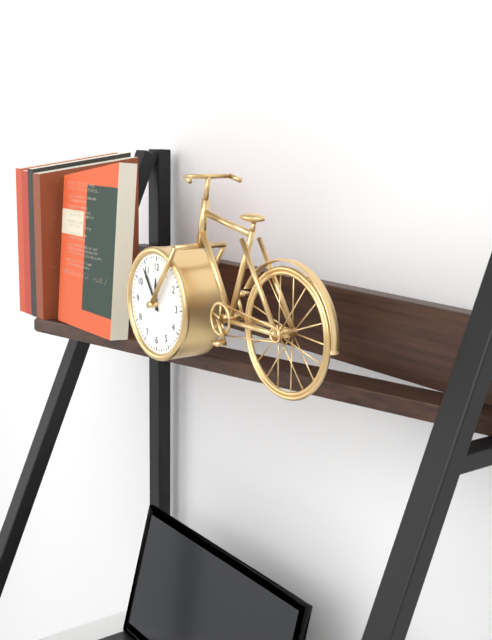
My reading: 11:54
